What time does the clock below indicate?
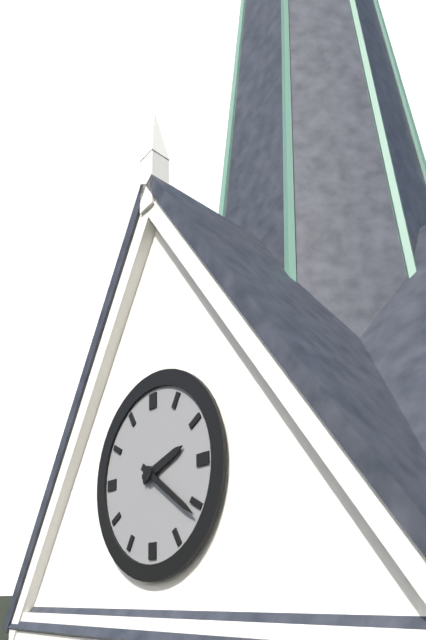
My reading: 2:21
